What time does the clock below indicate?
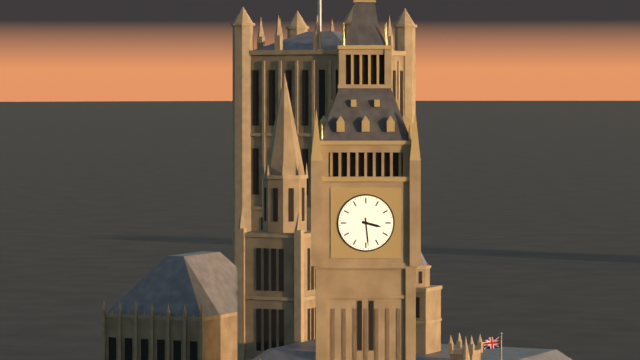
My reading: 3:29
